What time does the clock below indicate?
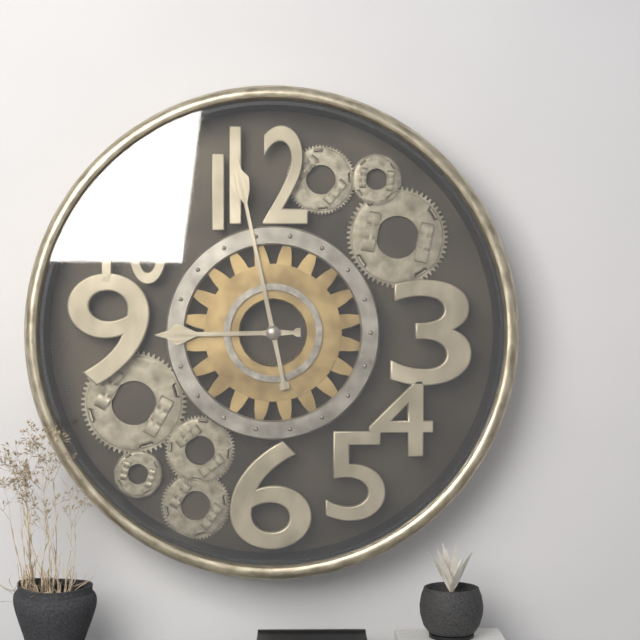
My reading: 8:58
